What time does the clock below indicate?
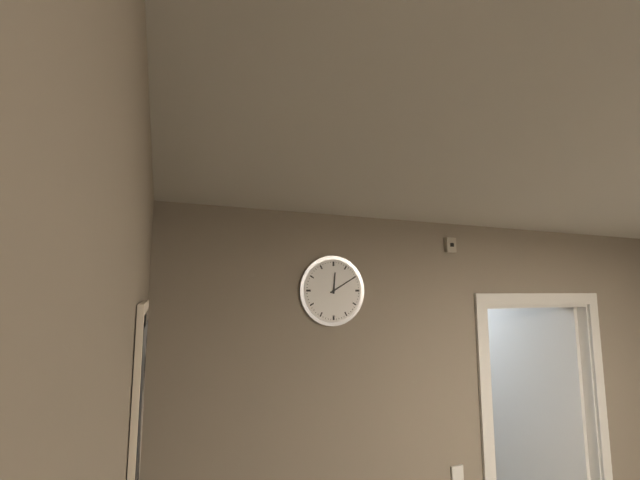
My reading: 12:10
